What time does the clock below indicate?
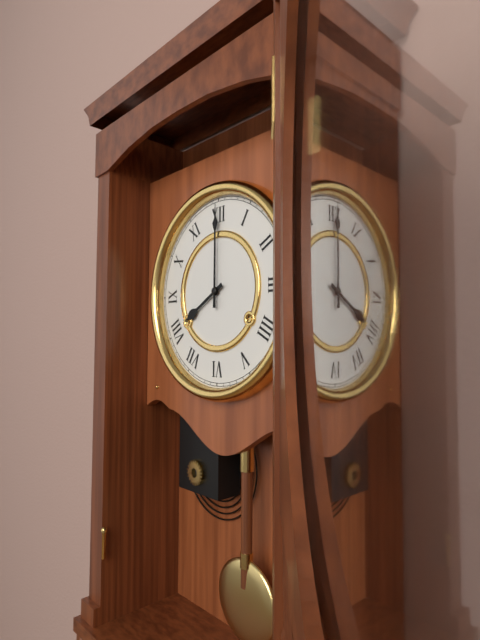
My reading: 8:00
